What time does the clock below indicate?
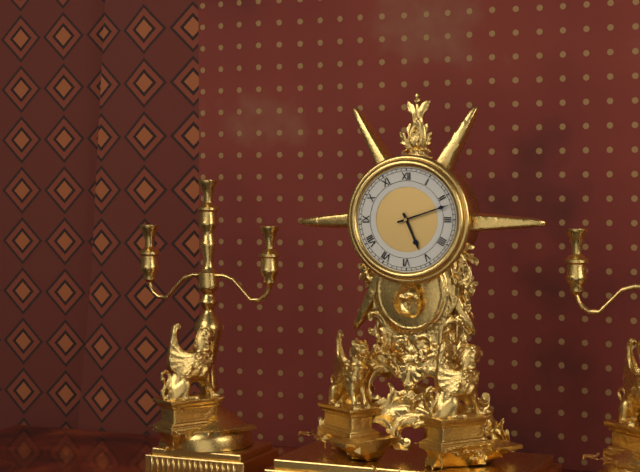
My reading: 5:12
